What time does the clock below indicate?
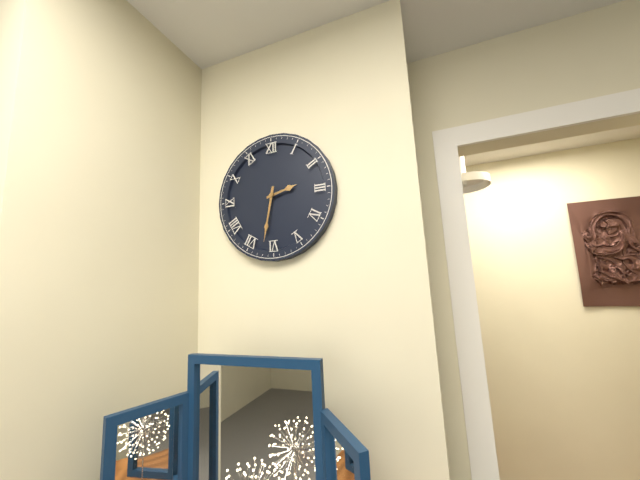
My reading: 2:32
